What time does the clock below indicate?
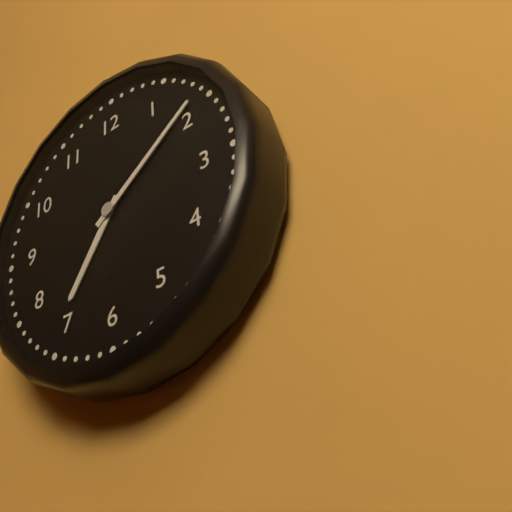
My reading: 7:09
